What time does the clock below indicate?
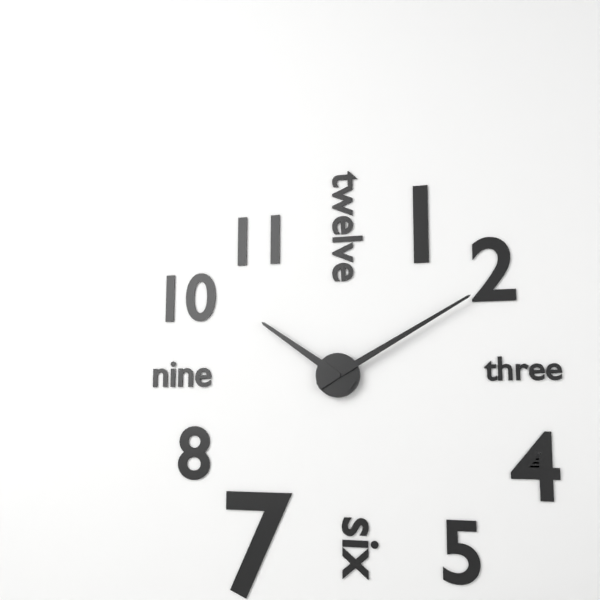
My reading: 10:10
